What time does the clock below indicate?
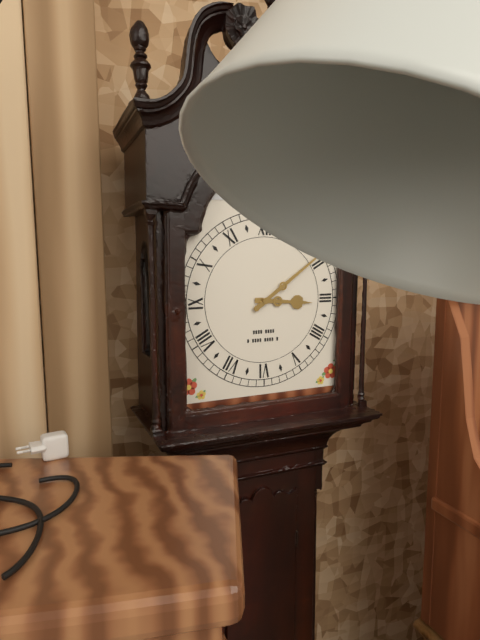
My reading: 3:09
